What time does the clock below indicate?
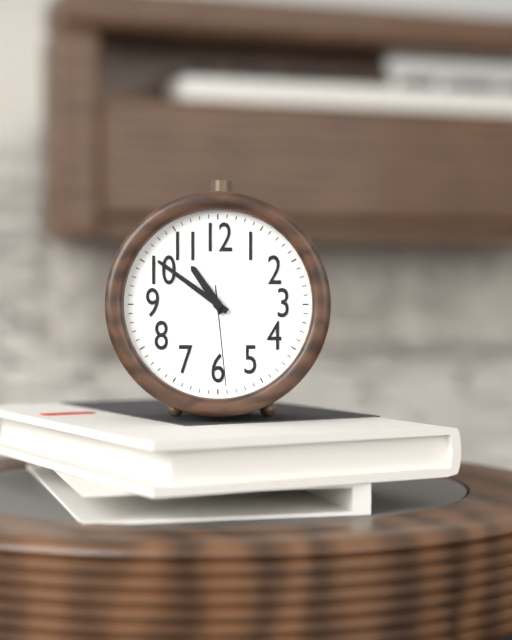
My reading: 10:51:29
